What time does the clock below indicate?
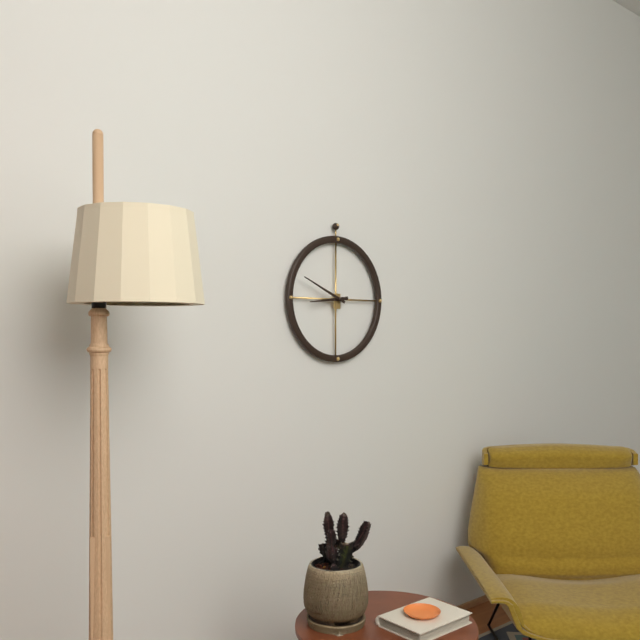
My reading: 8:49
